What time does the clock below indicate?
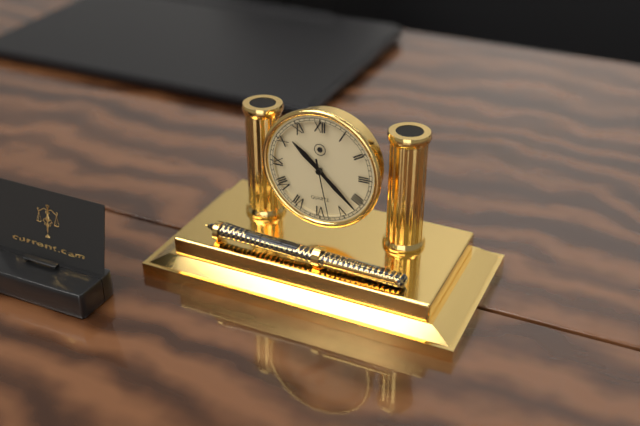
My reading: 10:22:28
